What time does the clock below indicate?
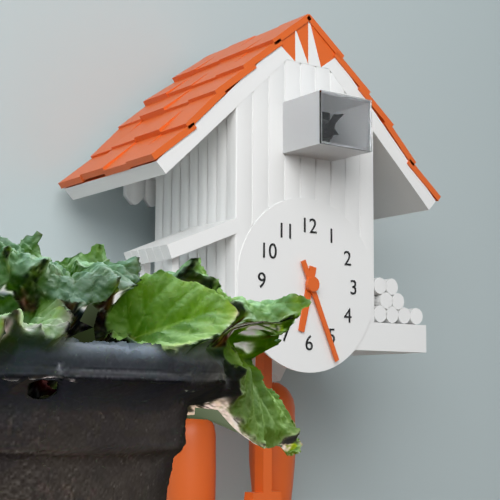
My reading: 6:26
